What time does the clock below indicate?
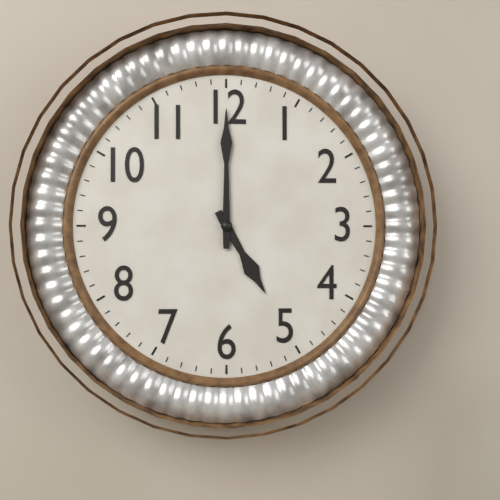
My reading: 5:00
